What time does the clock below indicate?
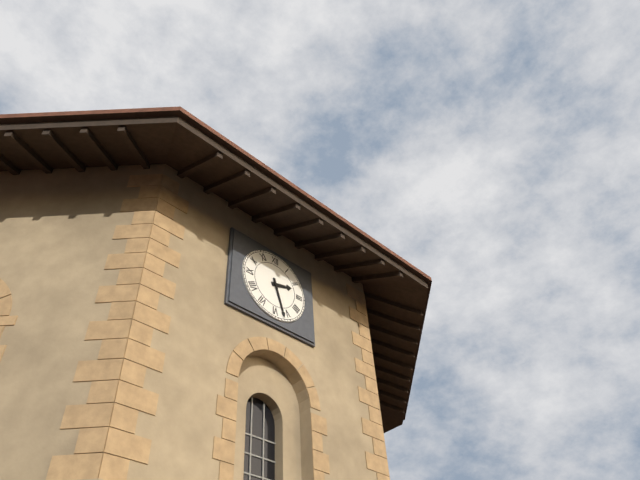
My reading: 2:27
